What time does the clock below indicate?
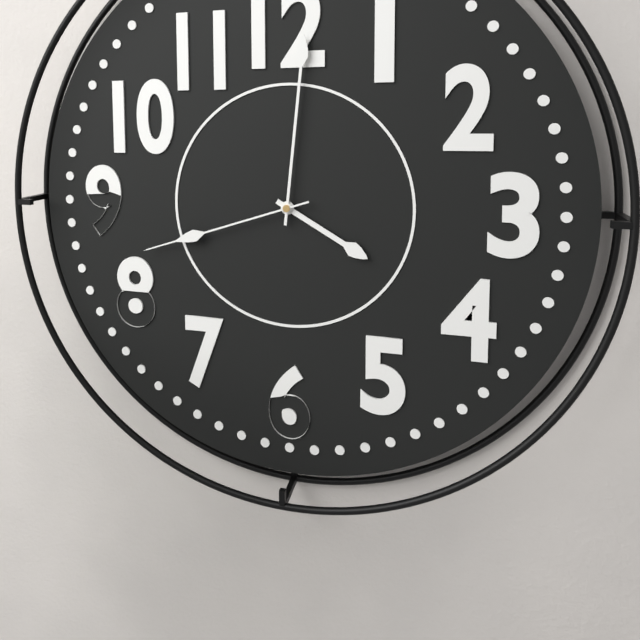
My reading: 4:01:42
